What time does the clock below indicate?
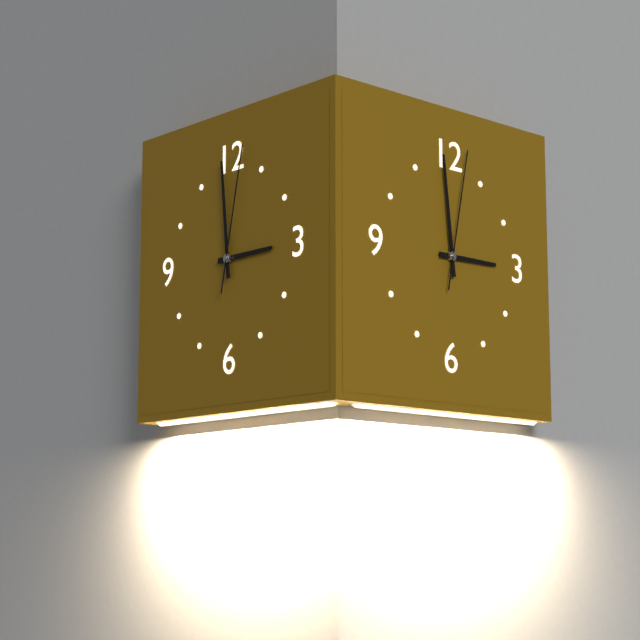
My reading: 2:59:02
